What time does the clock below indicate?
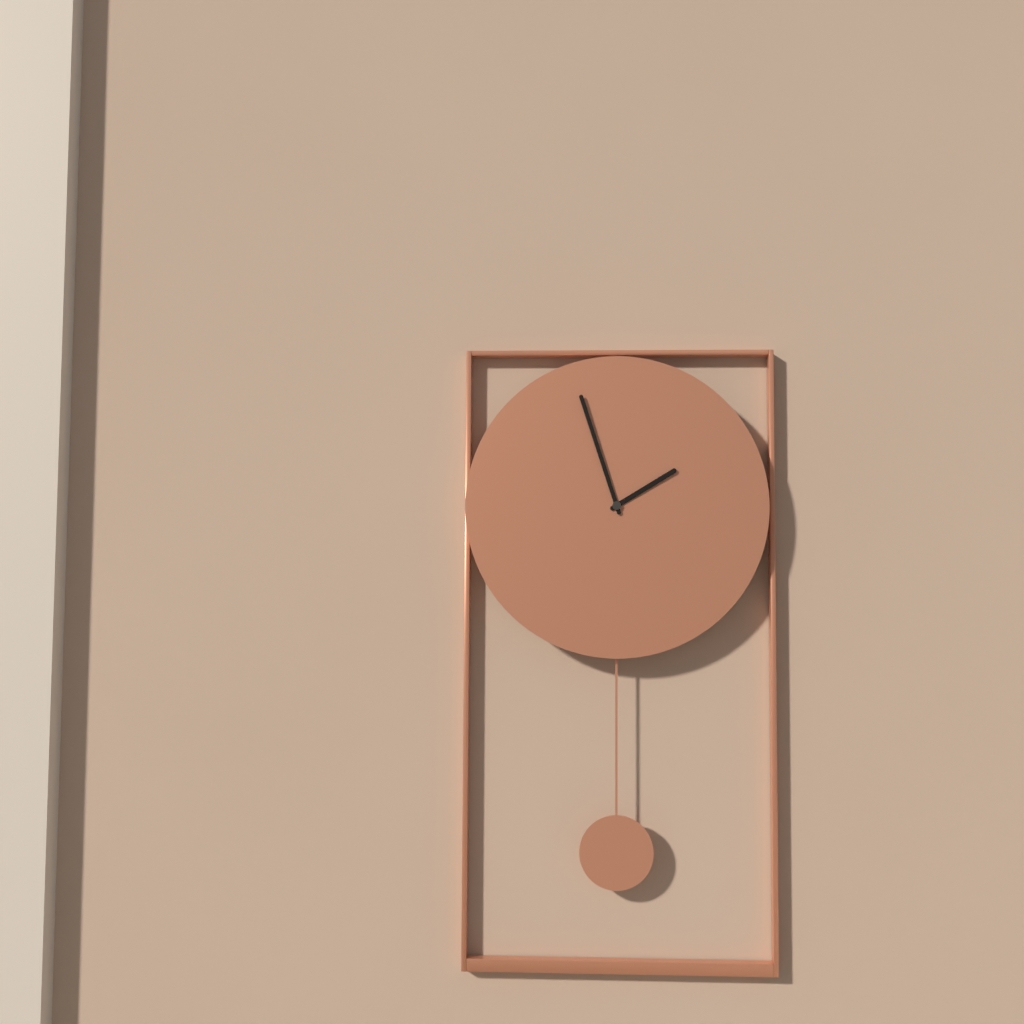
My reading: 1:57
